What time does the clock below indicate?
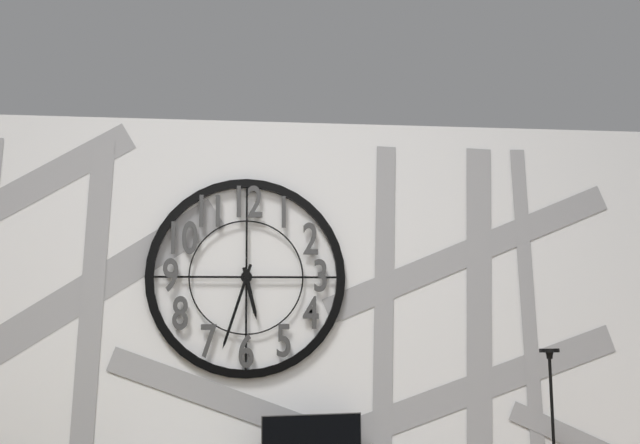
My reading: 5:33
